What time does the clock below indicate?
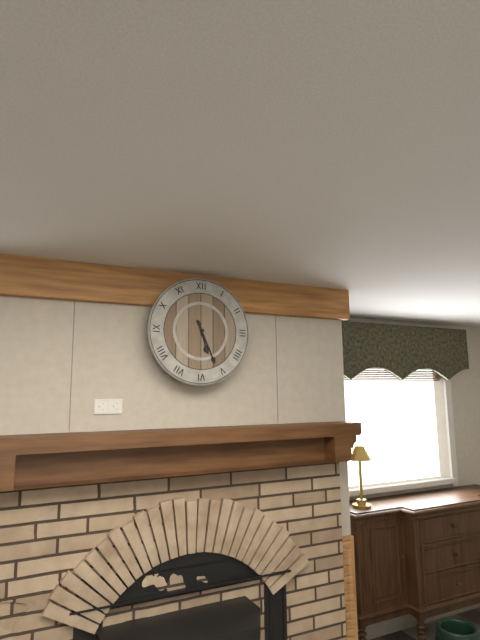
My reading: 5:26
